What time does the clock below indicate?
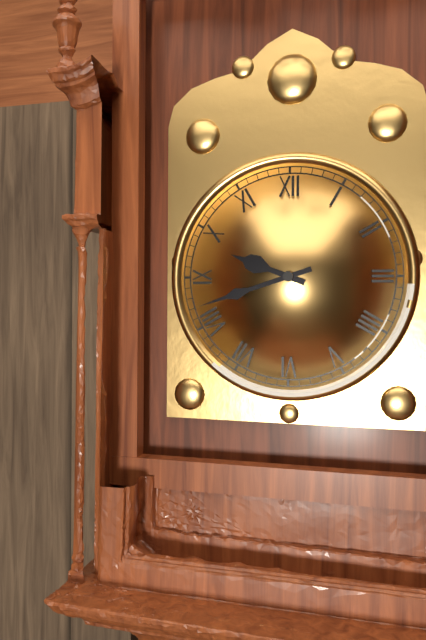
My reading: 9:42
